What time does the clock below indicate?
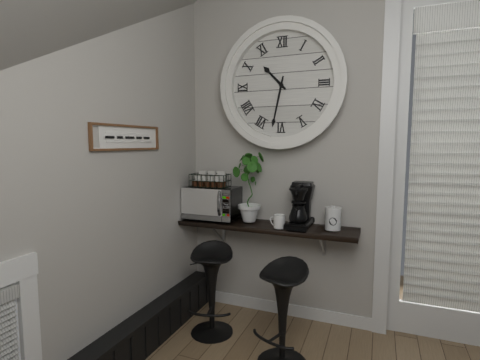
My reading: 10:32
